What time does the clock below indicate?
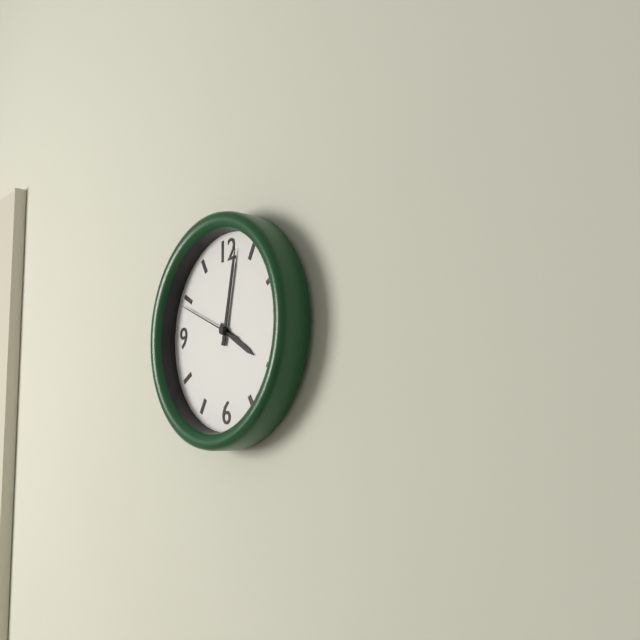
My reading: 4:02:49
